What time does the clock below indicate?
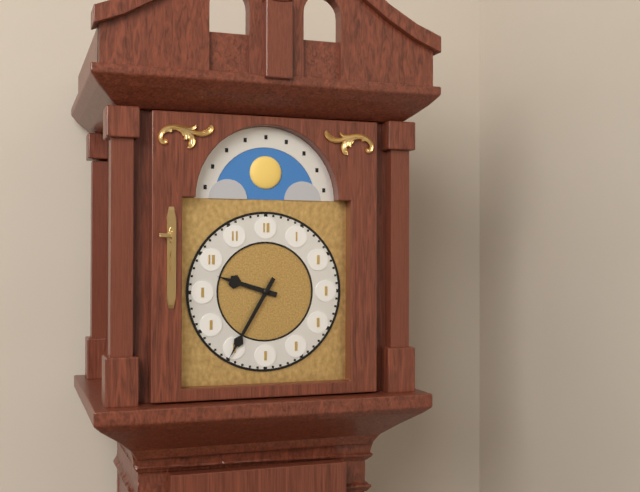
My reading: 9:35
